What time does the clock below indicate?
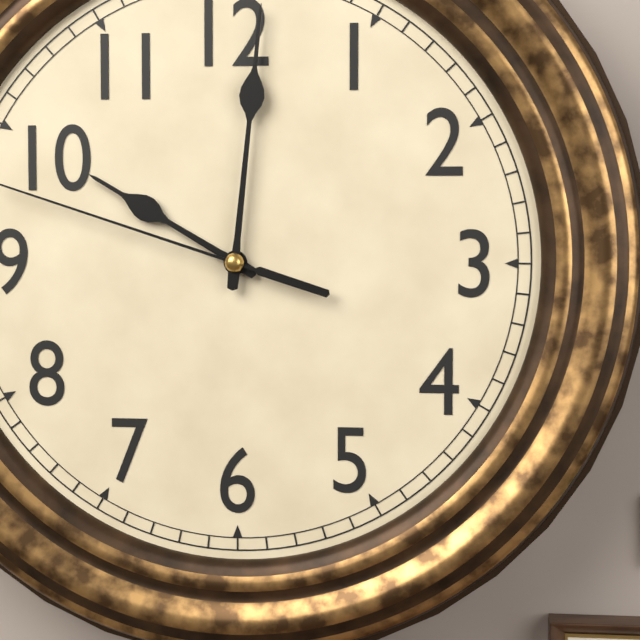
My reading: 10:01
